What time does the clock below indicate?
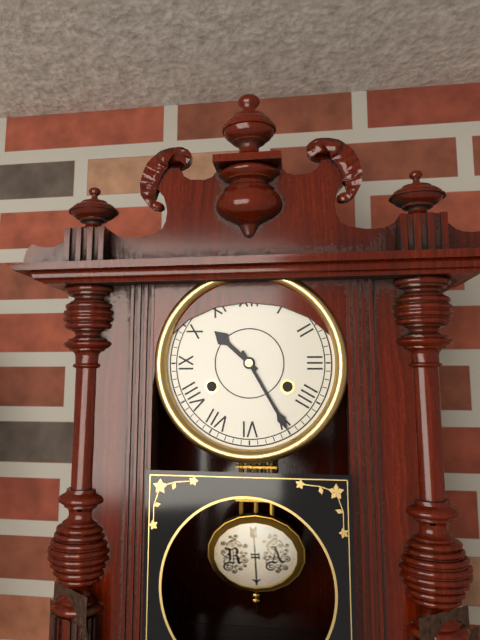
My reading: 10:25
